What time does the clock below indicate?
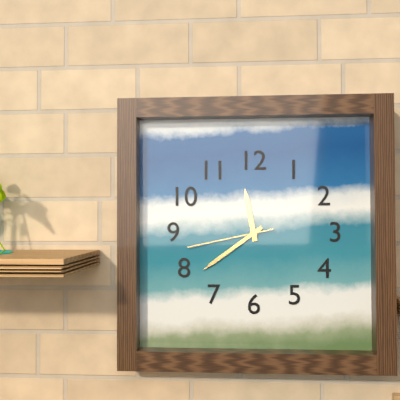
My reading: 11:39:43
